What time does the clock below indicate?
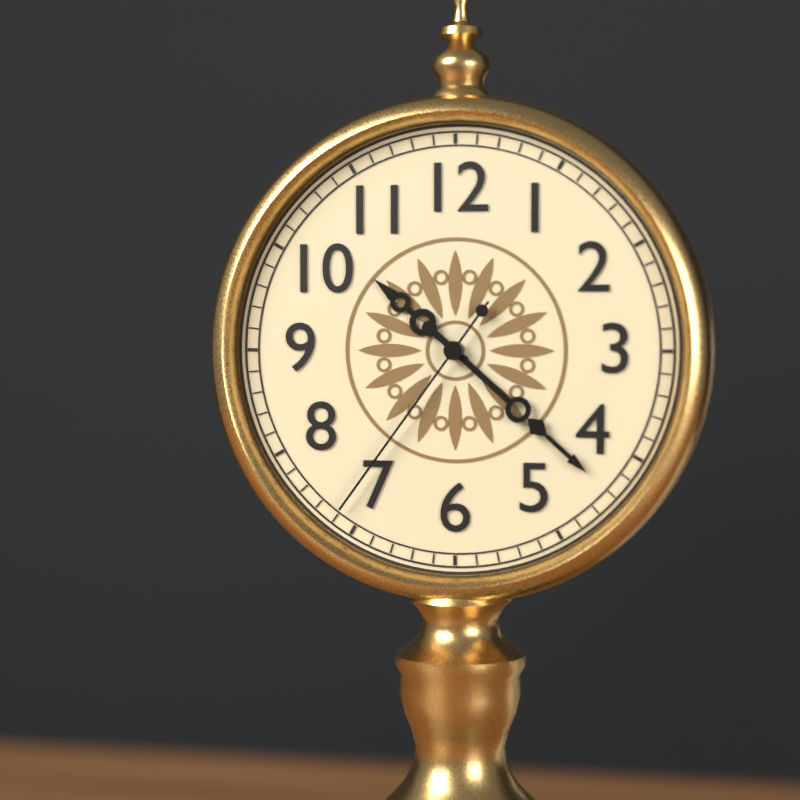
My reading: 10:22:36
